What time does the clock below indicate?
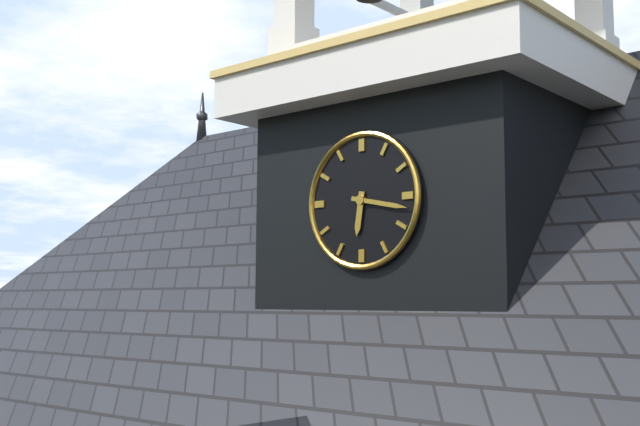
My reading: 6:17
